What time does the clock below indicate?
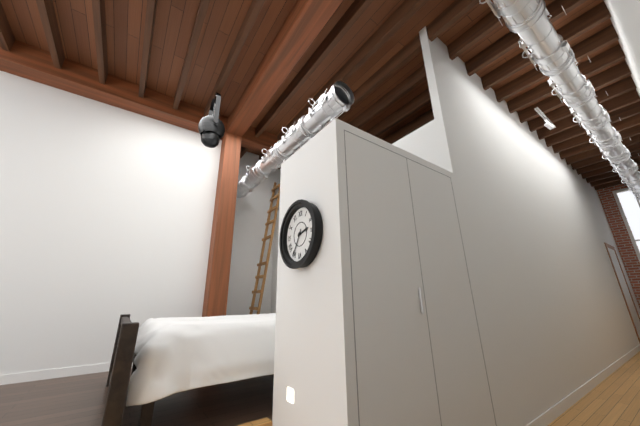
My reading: 2:35
